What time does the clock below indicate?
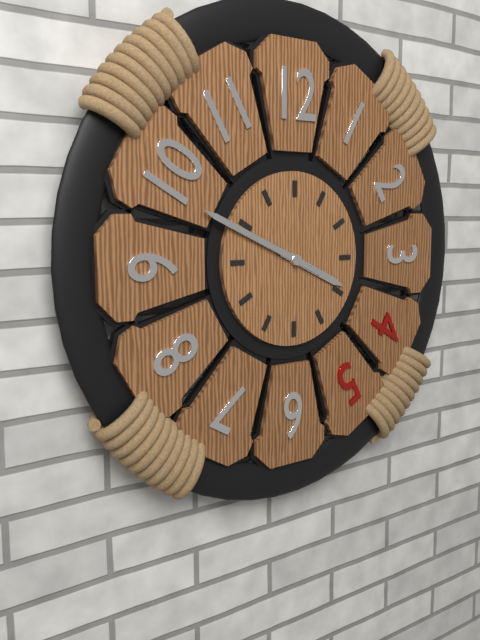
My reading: 3:49
